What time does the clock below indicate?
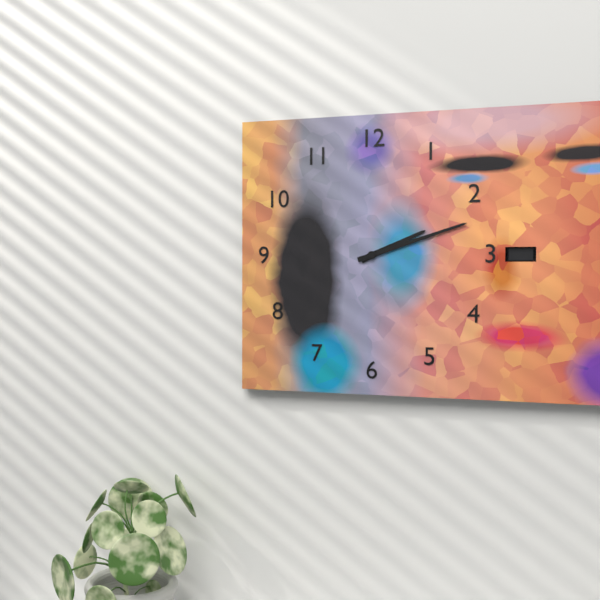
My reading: 2:12
